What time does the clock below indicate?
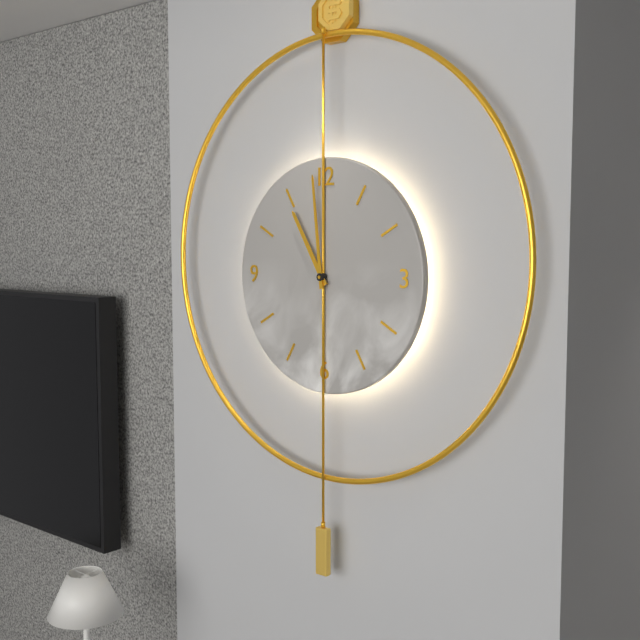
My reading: 10:59
